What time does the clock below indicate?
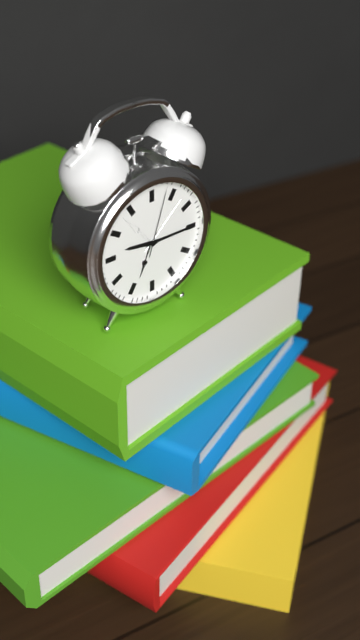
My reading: 9:15:03
